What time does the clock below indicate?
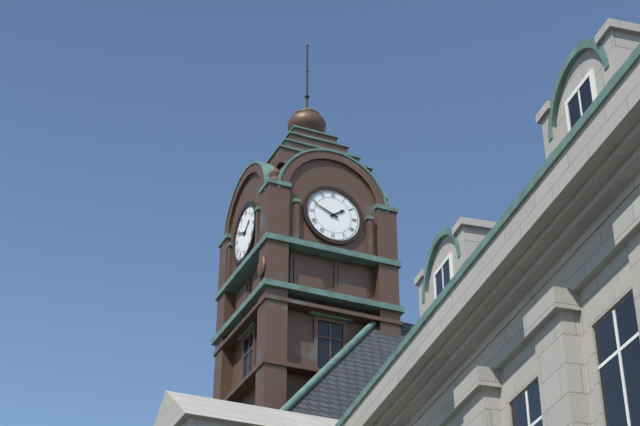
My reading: 1:49
